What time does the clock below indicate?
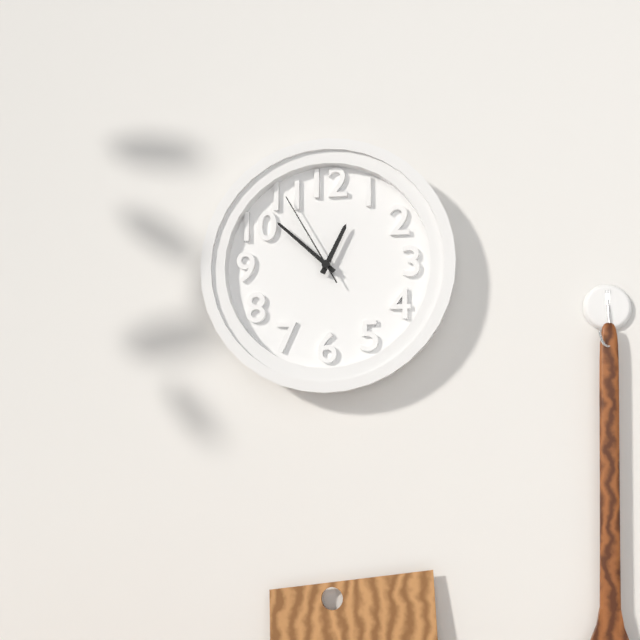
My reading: 12:52:55
